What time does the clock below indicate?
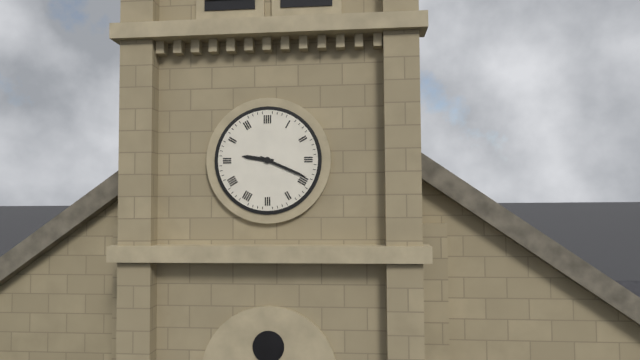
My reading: 9:19
